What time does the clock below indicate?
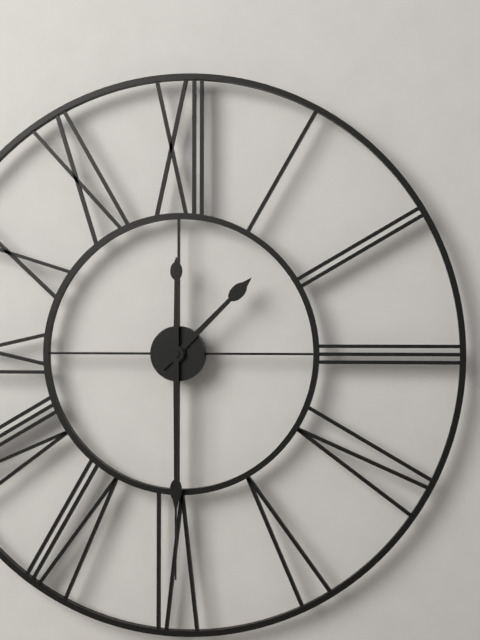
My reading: 1:30
